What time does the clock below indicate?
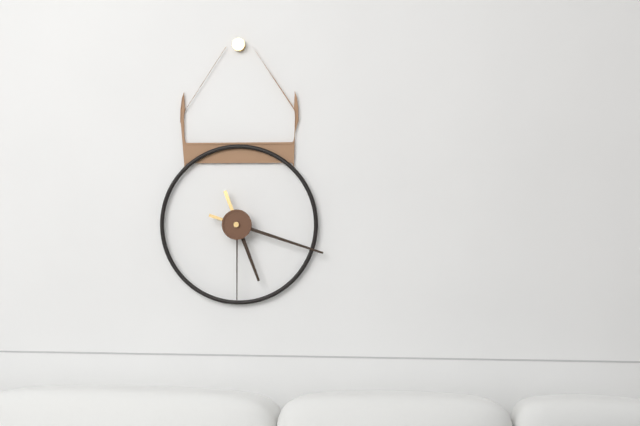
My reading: 5:18:30
